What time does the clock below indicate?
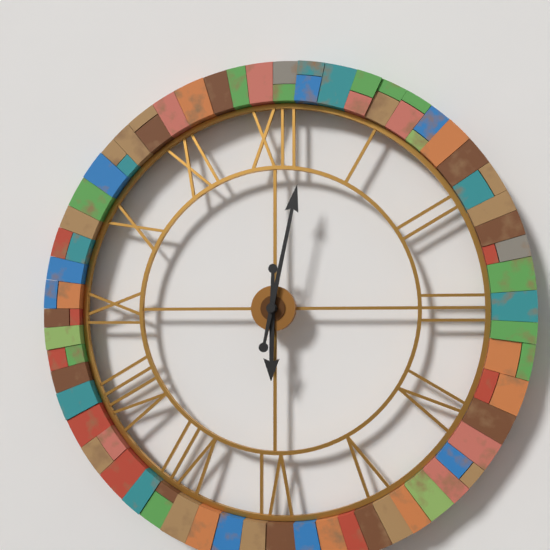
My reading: 6:02
